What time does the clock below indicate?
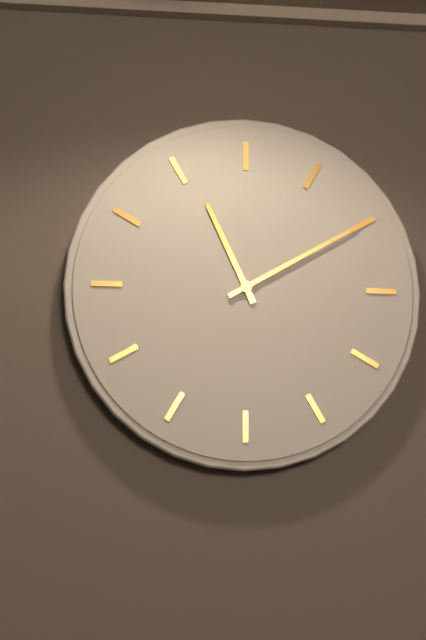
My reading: 11:10
